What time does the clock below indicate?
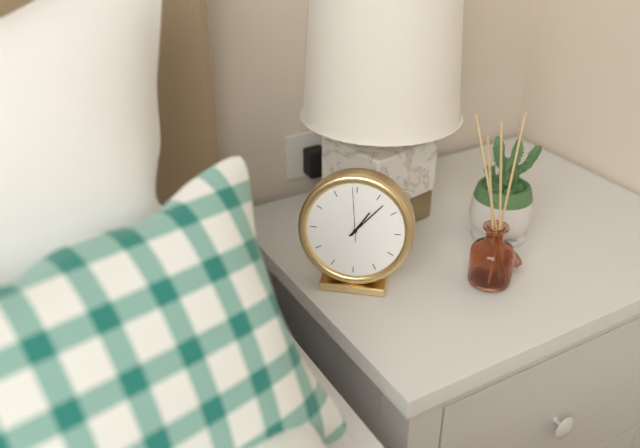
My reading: 1:07:59
